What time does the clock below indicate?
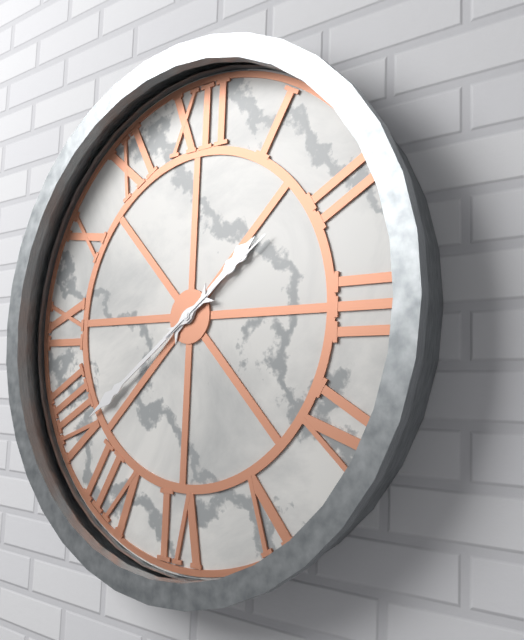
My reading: 1:39:09
